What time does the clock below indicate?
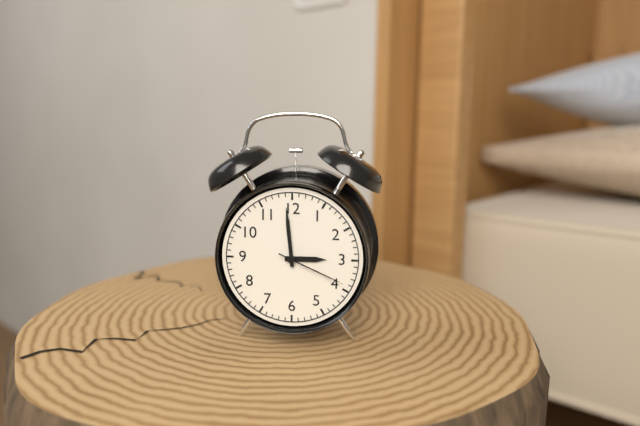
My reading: 2:59:19
